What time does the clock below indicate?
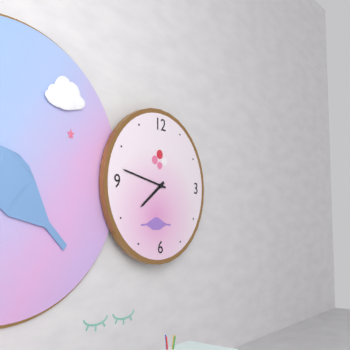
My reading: 7:47
